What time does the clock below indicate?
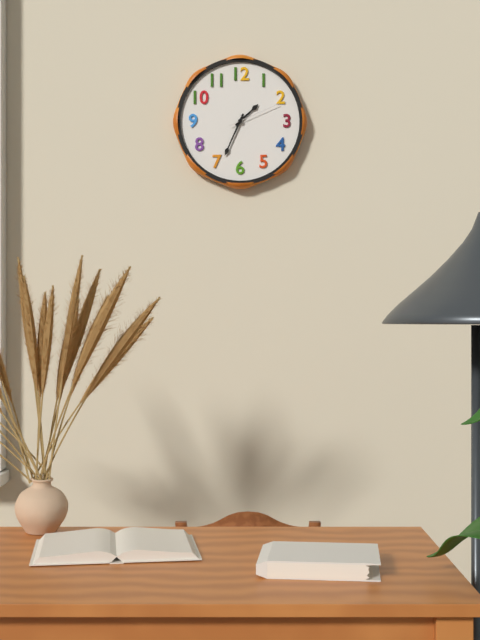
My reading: 1:34:11
